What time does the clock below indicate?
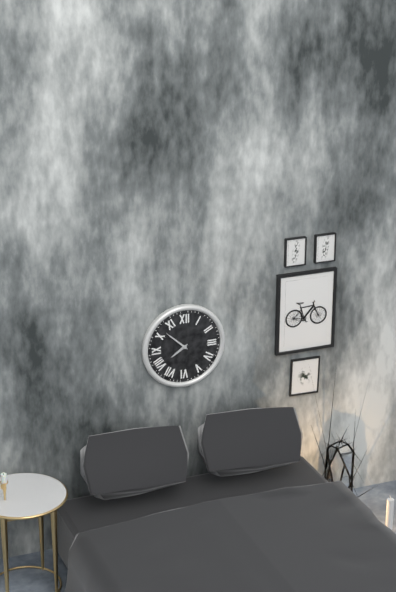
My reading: 7:52
